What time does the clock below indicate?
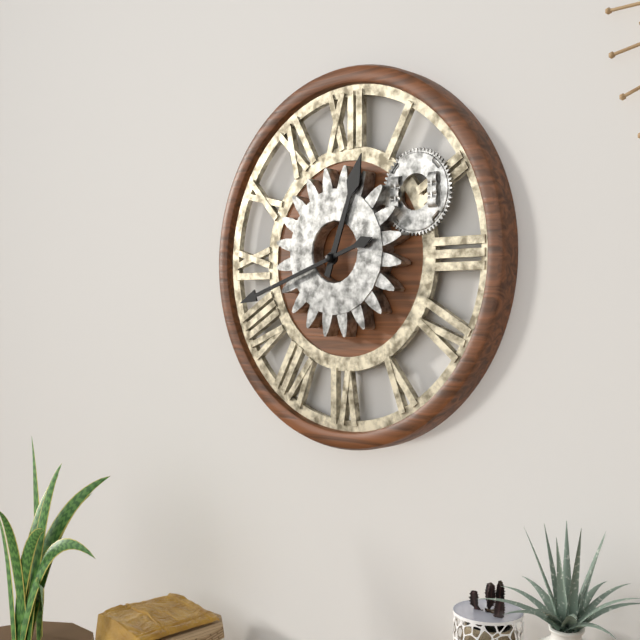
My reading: 12:42
